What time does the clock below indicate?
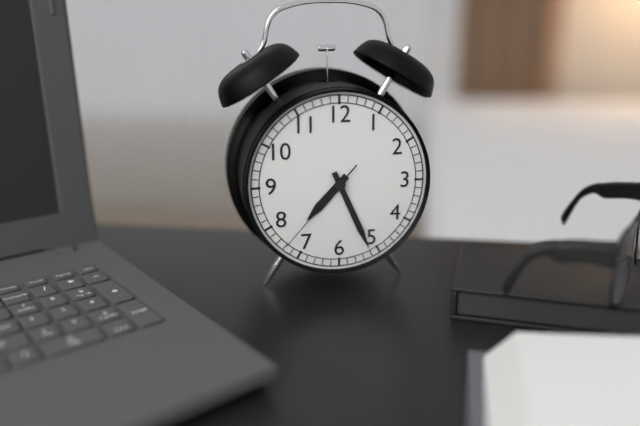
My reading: 7:26:37
